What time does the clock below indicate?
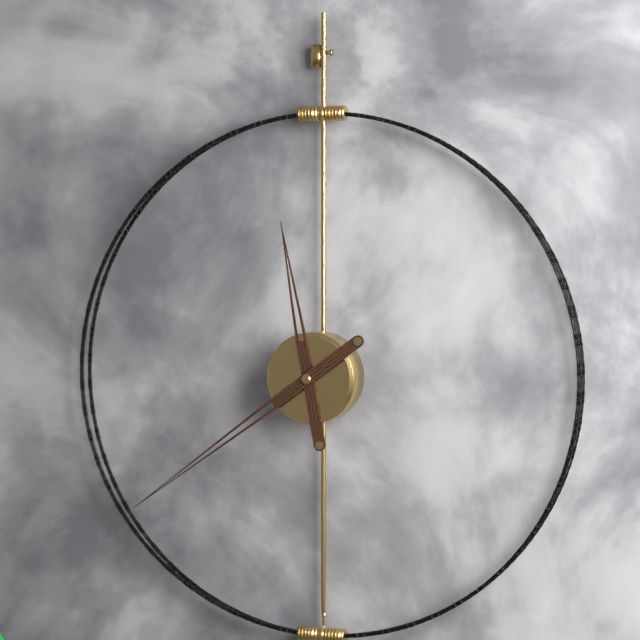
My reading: 11:39
